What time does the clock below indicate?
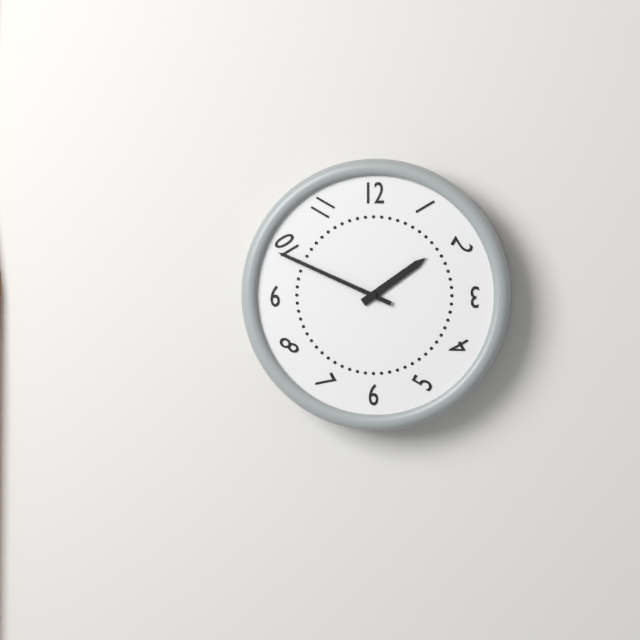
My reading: 1:49
